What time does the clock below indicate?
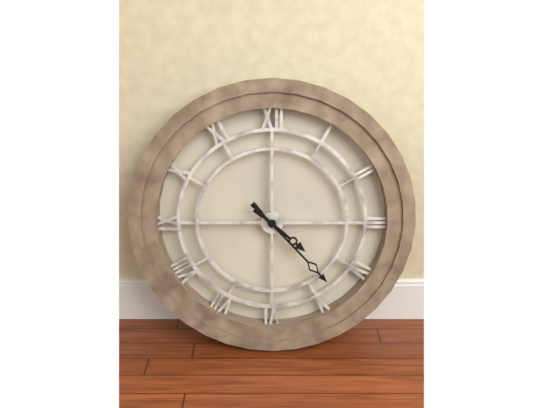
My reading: 4:23
